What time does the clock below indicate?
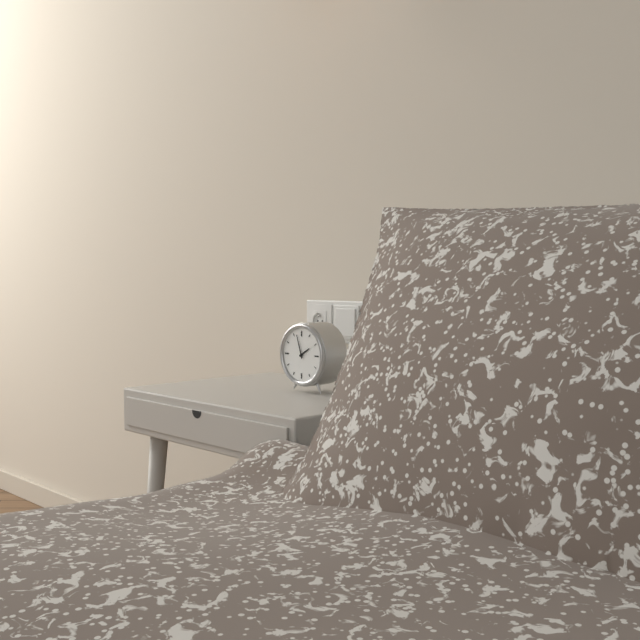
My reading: 1:57
